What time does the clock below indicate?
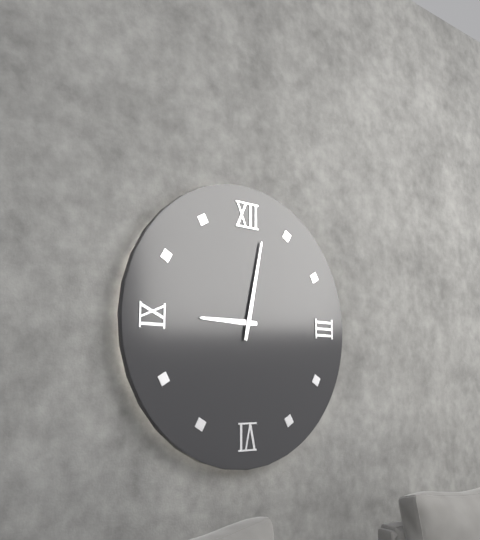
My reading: 9:02
